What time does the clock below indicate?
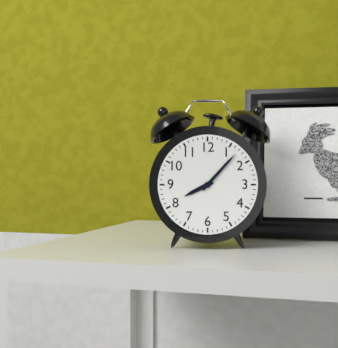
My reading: 8:07
